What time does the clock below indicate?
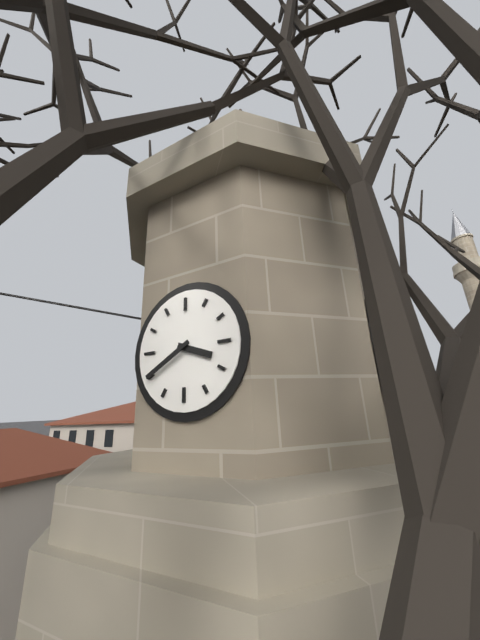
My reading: 3:40
